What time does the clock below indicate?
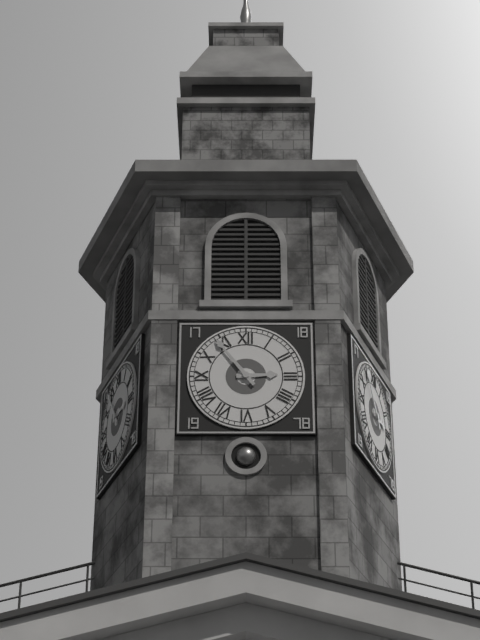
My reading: 2:54
